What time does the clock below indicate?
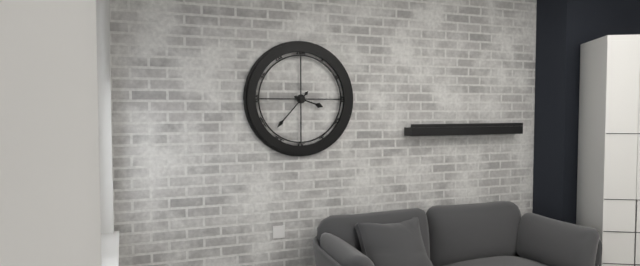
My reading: 3:37
